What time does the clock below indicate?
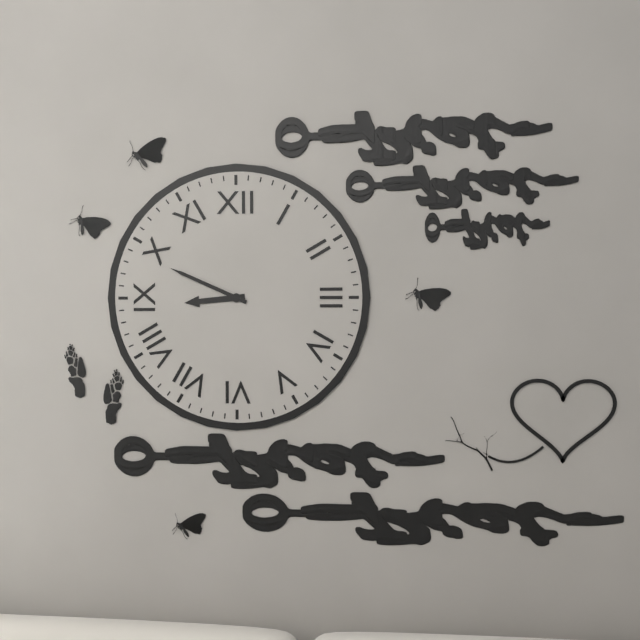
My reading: 8:49
